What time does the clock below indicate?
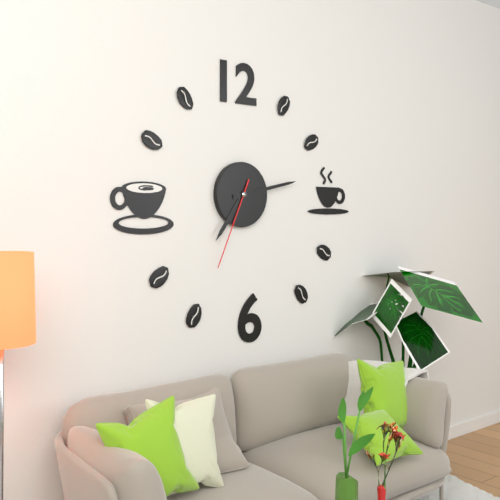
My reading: 7:13:34
